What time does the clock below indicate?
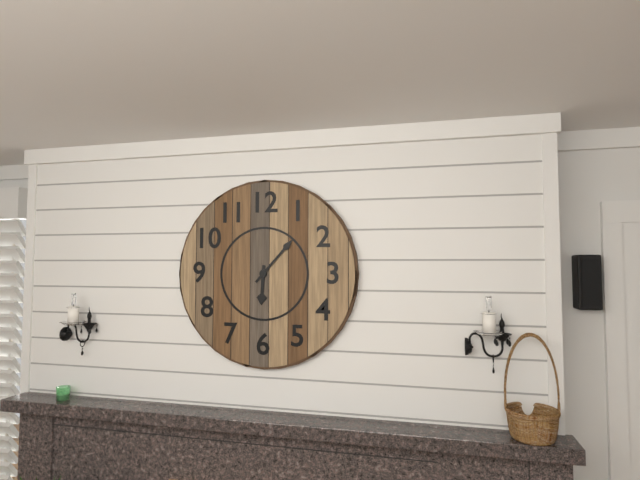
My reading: 6:07
